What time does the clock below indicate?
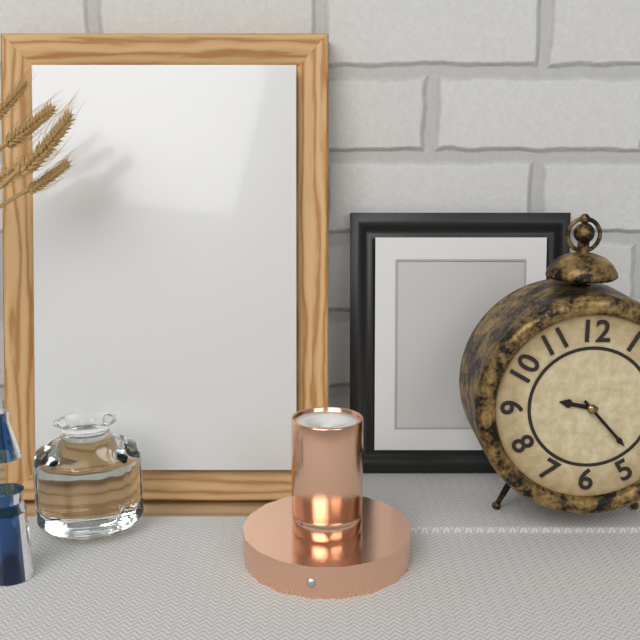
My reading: 9:23
